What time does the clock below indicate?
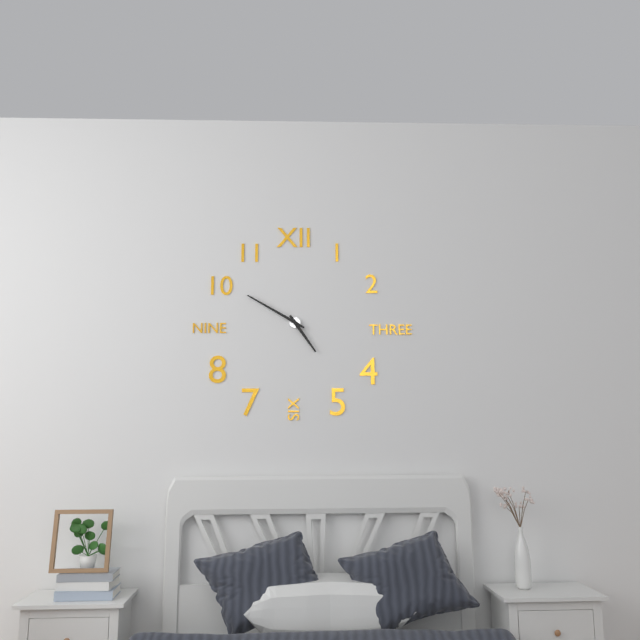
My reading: 4:50
